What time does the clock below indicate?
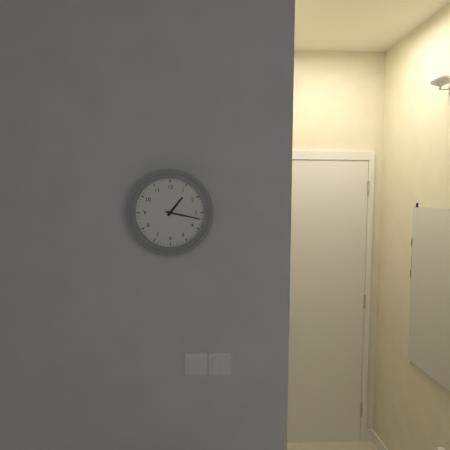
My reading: 1:17
